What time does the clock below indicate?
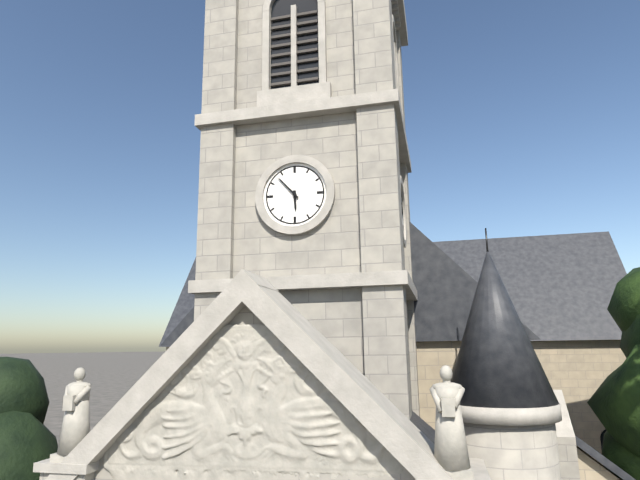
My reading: 5:53
